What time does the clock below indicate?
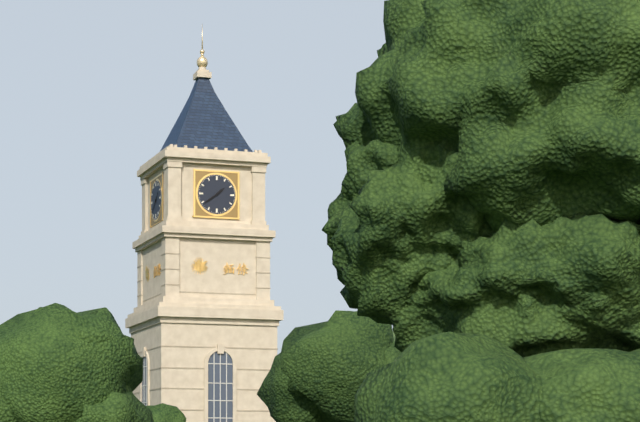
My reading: 1:39
